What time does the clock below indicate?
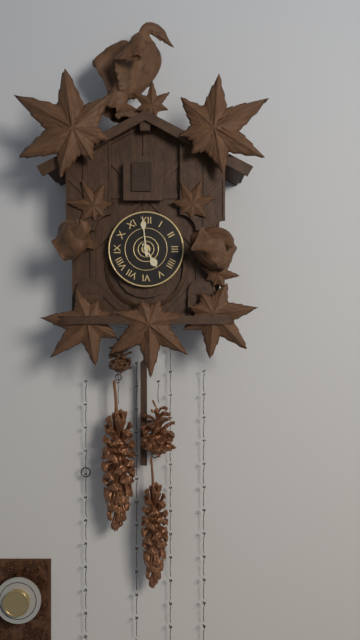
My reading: 4:59
